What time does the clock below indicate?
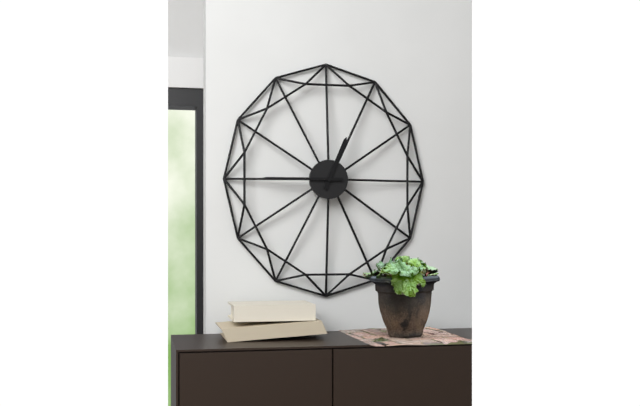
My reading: 12:45
